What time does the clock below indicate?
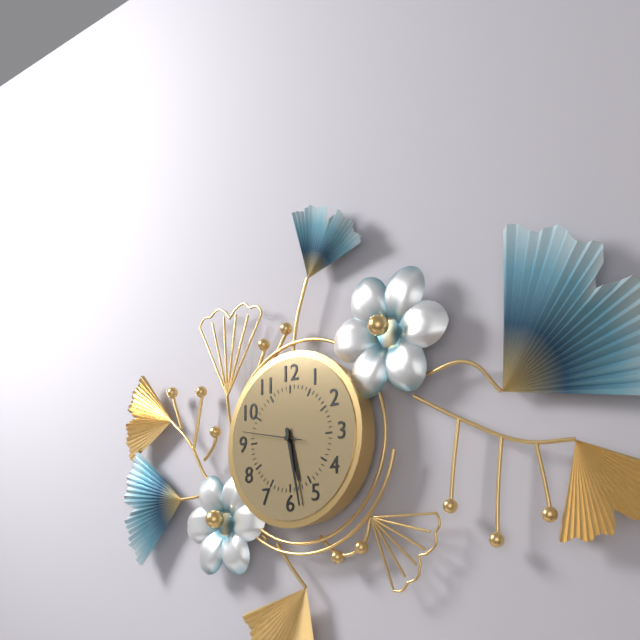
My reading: 5:28:47
